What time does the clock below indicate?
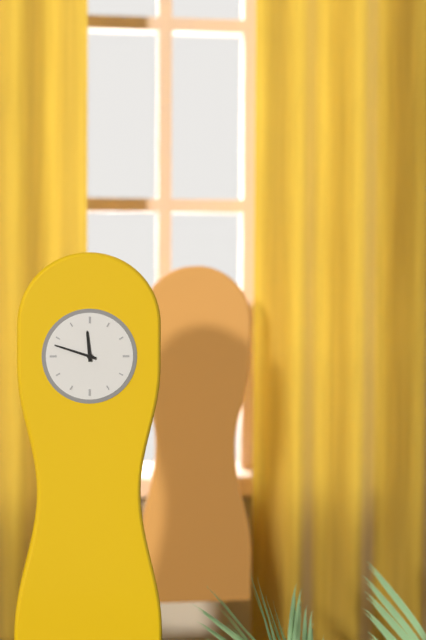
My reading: 11:48
